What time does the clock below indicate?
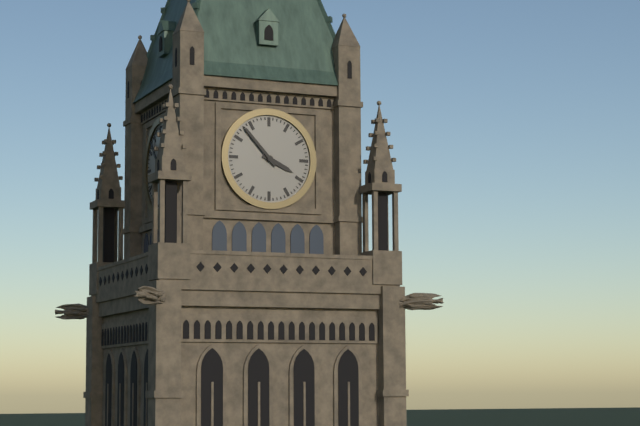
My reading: 3:53
